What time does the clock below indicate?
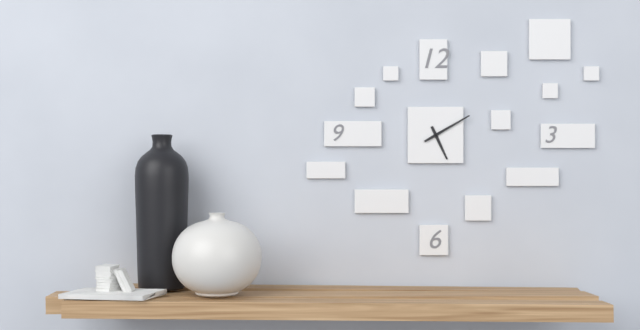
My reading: 5:10
